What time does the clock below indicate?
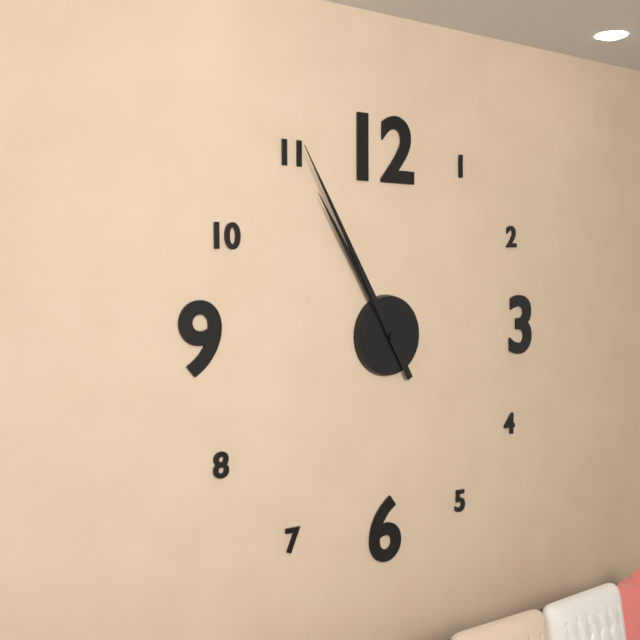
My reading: 10:55
